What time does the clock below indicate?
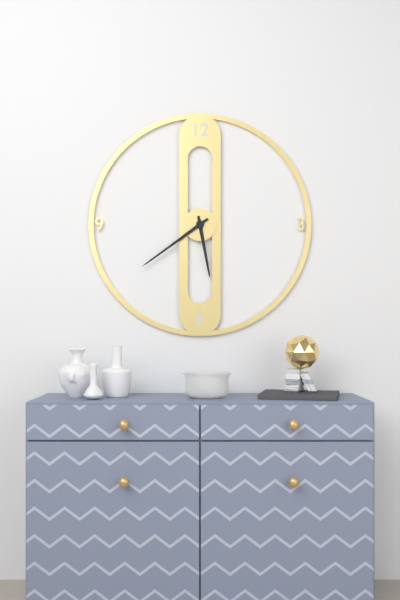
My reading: 5:39
